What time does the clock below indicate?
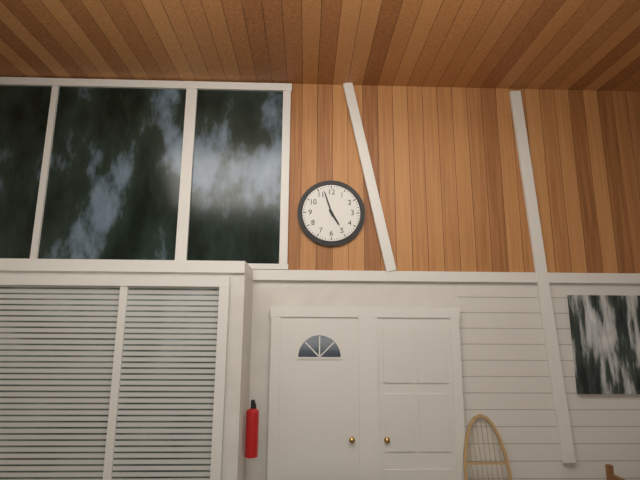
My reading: 4:57
